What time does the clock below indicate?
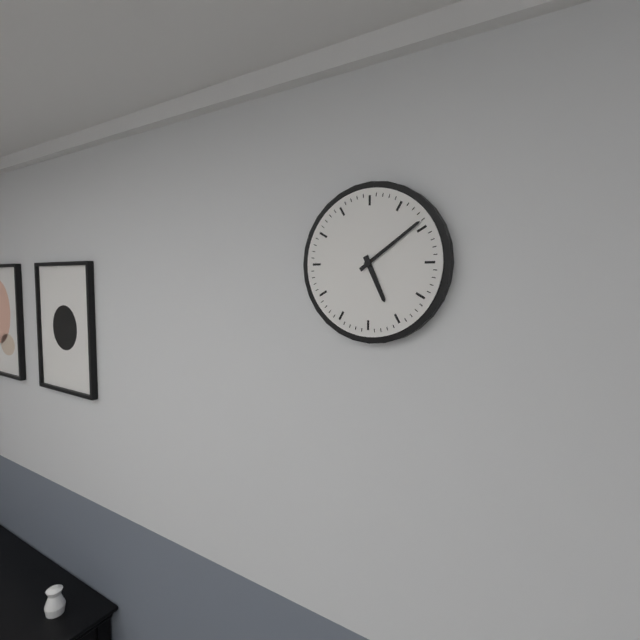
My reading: 5:09
